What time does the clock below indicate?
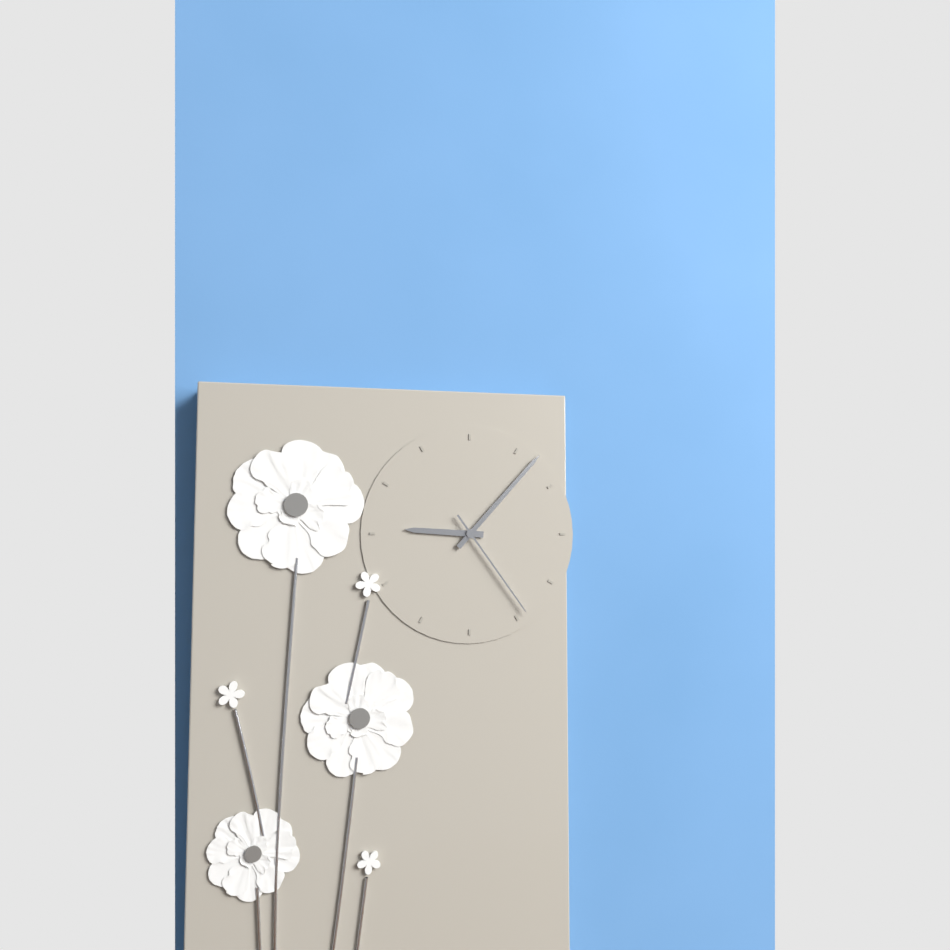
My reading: 9:07:24
